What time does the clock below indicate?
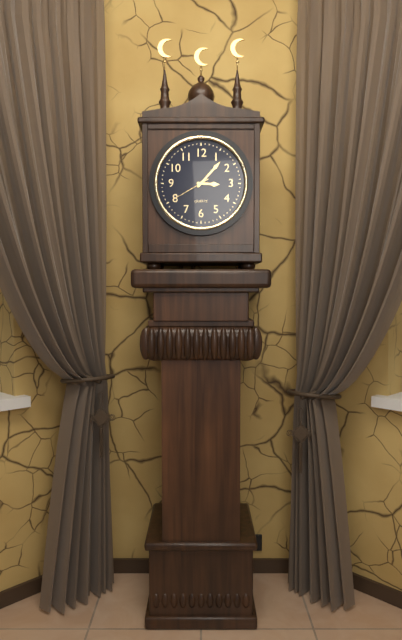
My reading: 3:07
